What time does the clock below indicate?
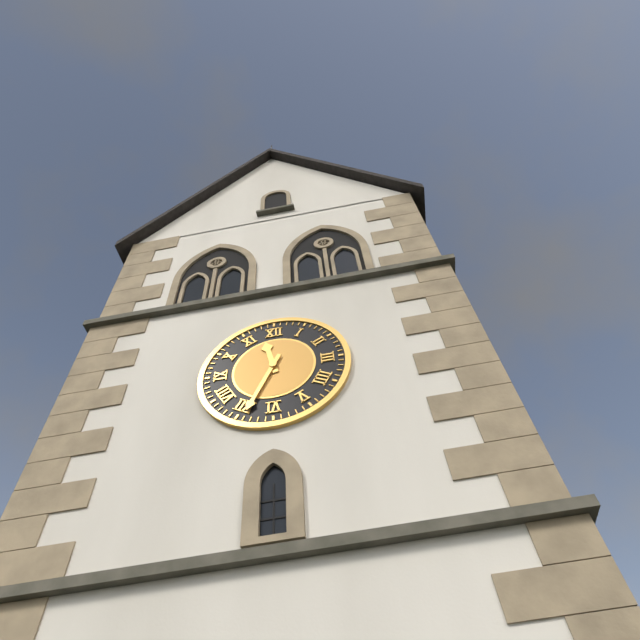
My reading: 11:34
